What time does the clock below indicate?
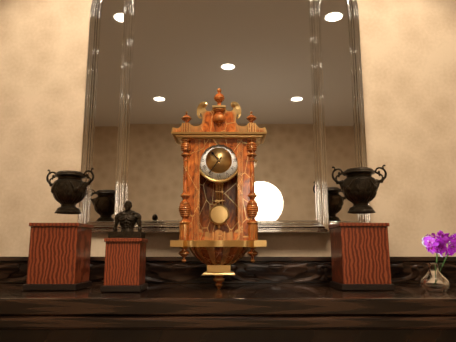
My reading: 10:36
